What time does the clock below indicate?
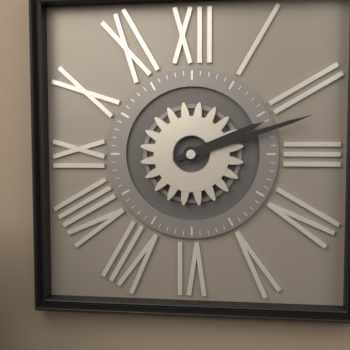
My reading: 2:12
